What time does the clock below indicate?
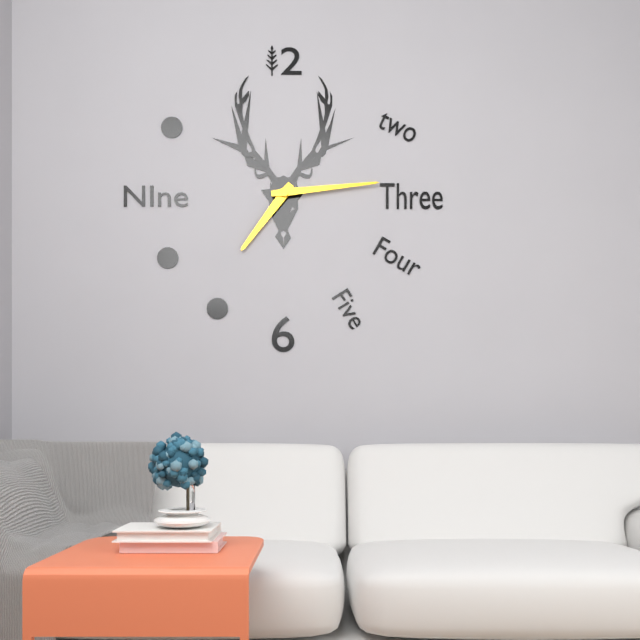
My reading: 7:14
